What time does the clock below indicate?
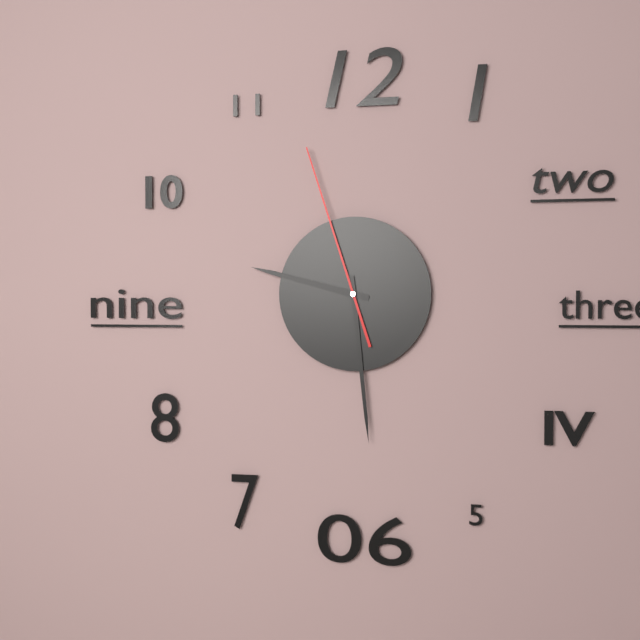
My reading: 9:29:57
